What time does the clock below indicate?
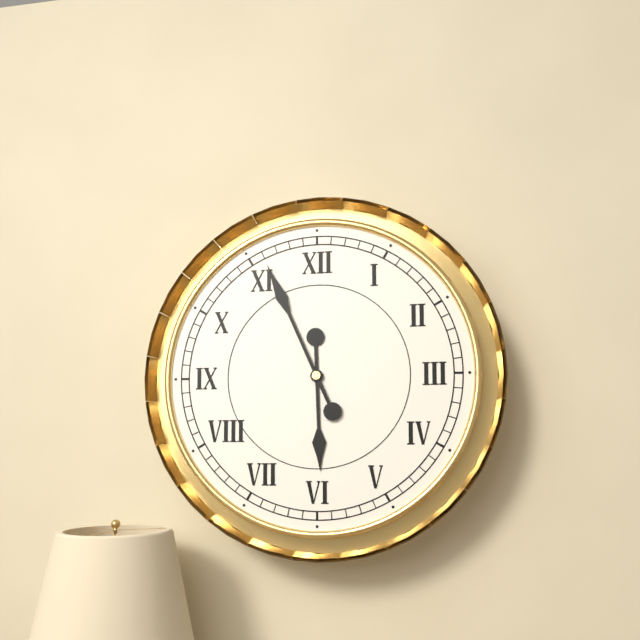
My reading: 5:56
